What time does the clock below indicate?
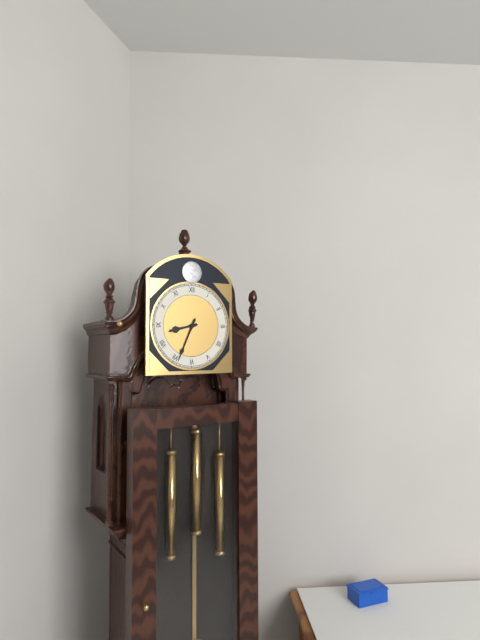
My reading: 8:34
